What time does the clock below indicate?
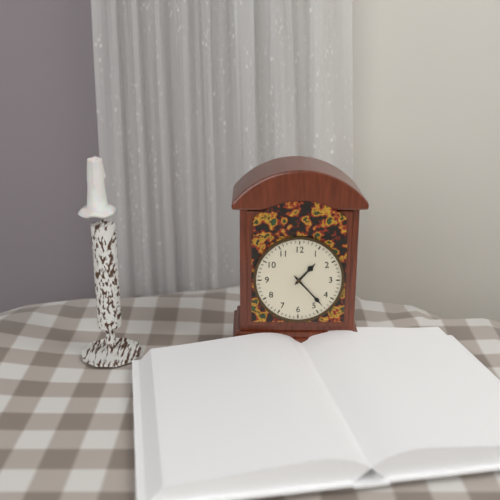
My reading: 1:23
